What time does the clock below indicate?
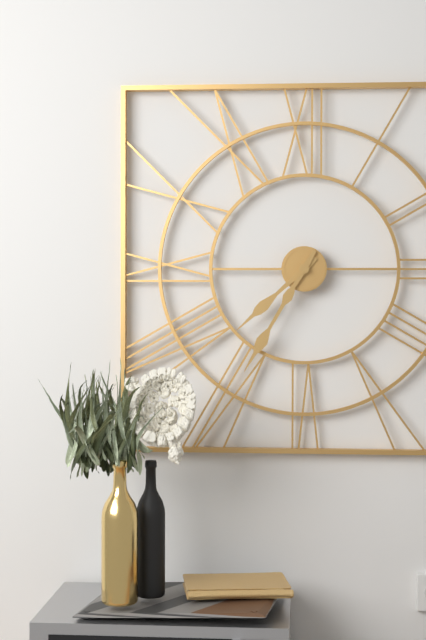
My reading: 7:35
